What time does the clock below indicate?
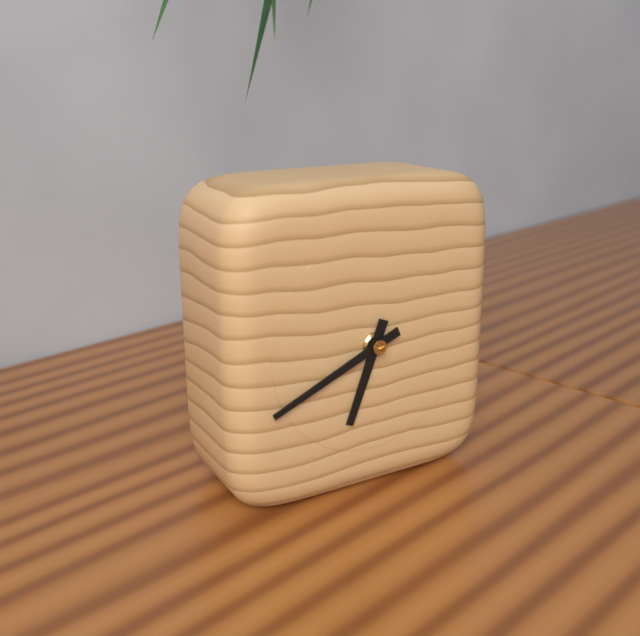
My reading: 6:41
